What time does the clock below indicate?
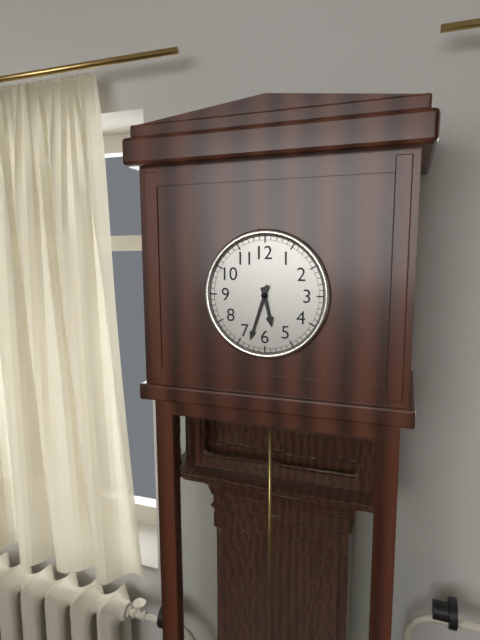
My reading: 5:33
